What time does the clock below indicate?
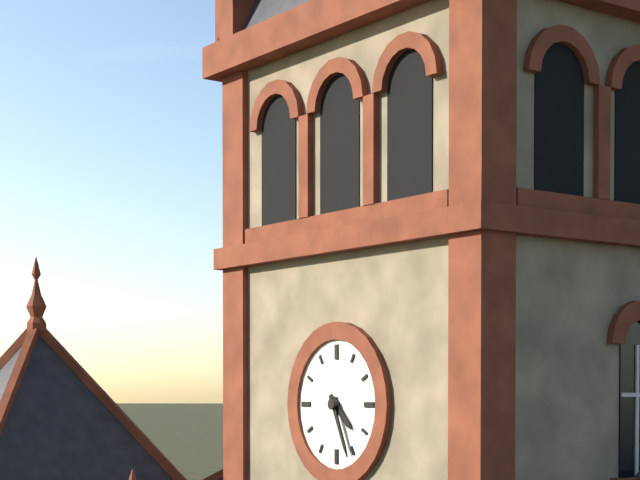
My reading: 4:26
